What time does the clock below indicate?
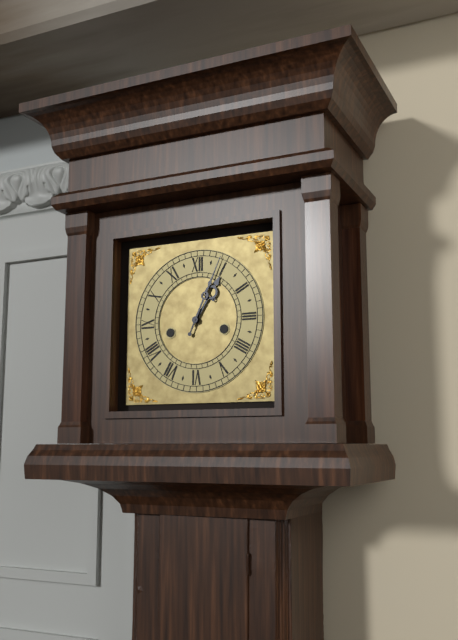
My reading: 1:04
